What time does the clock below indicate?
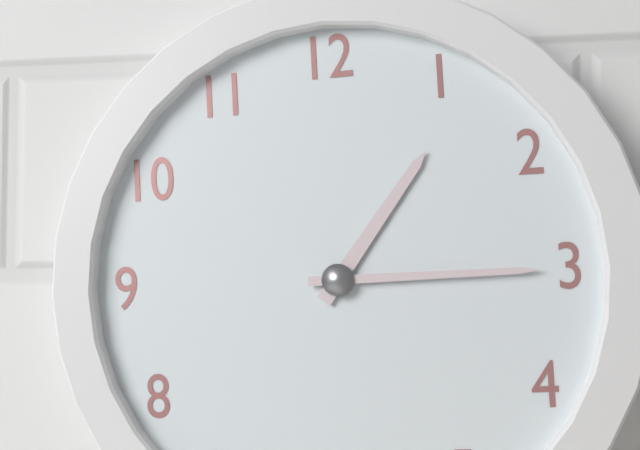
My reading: 1:15
